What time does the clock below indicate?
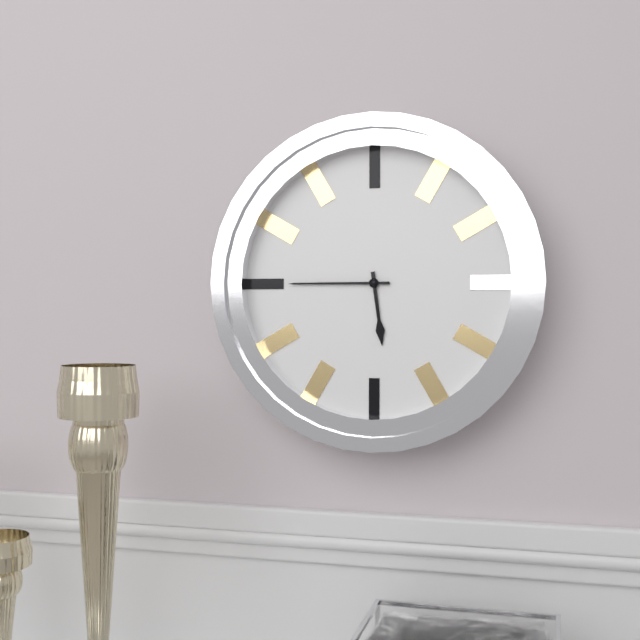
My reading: 5:45
